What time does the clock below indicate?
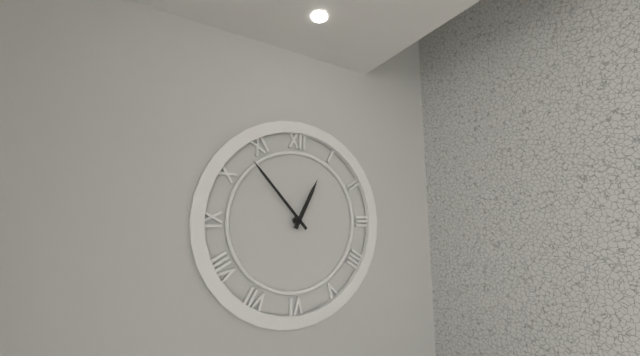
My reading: 12:53
